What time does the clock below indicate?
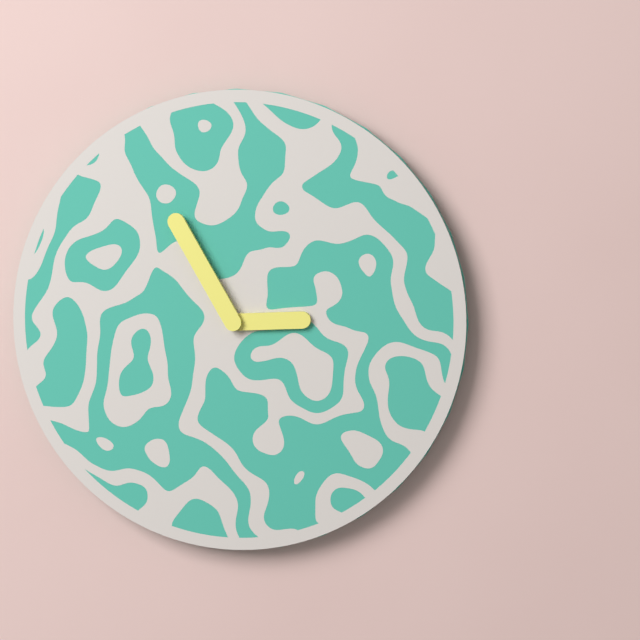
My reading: 2:55
